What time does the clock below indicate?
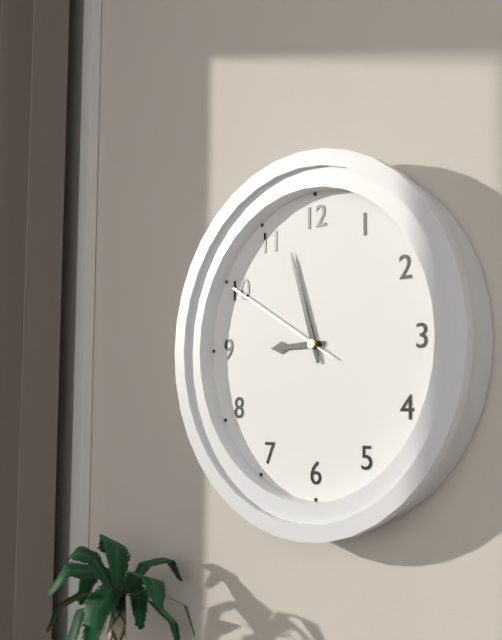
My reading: 8:57:50
